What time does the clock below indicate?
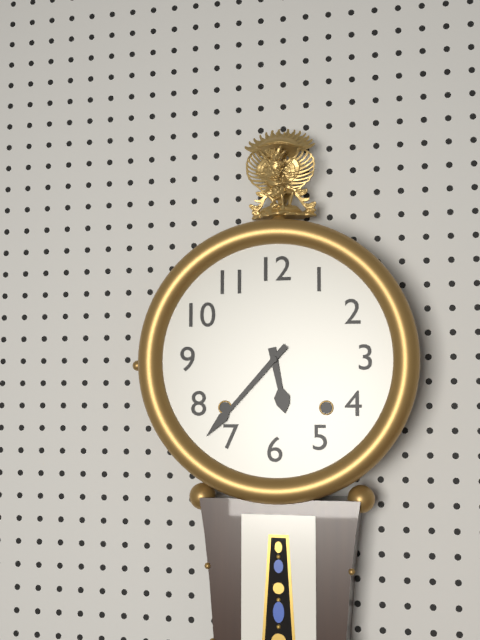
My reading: 5:37
